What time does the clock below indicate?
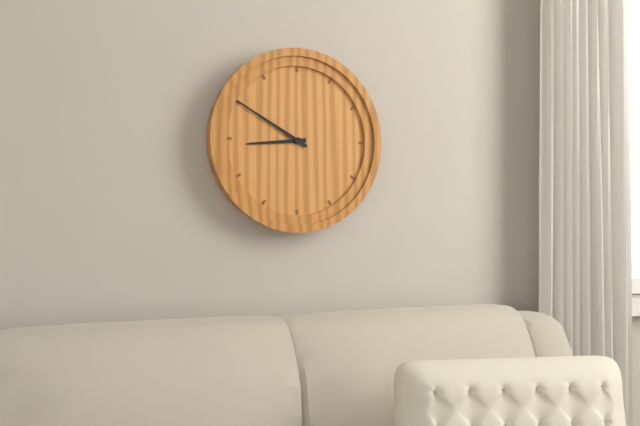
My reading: 8:50
